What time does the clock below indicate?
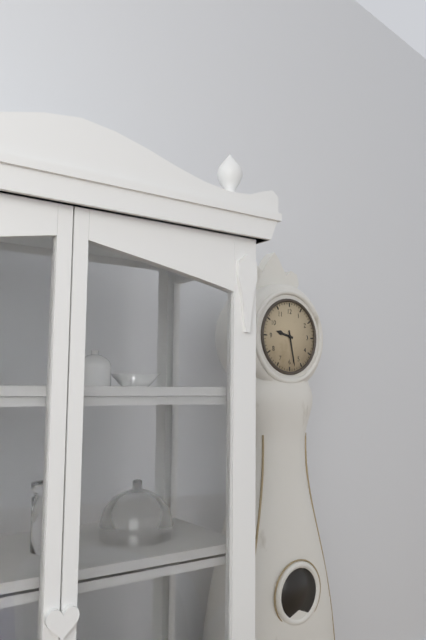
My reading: 9:28
